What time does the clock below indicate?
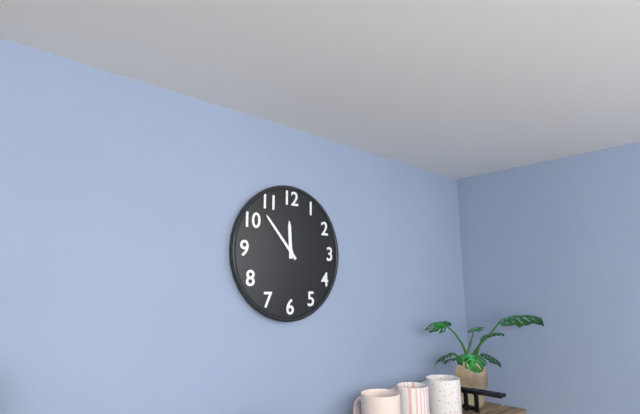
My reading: 11:53
